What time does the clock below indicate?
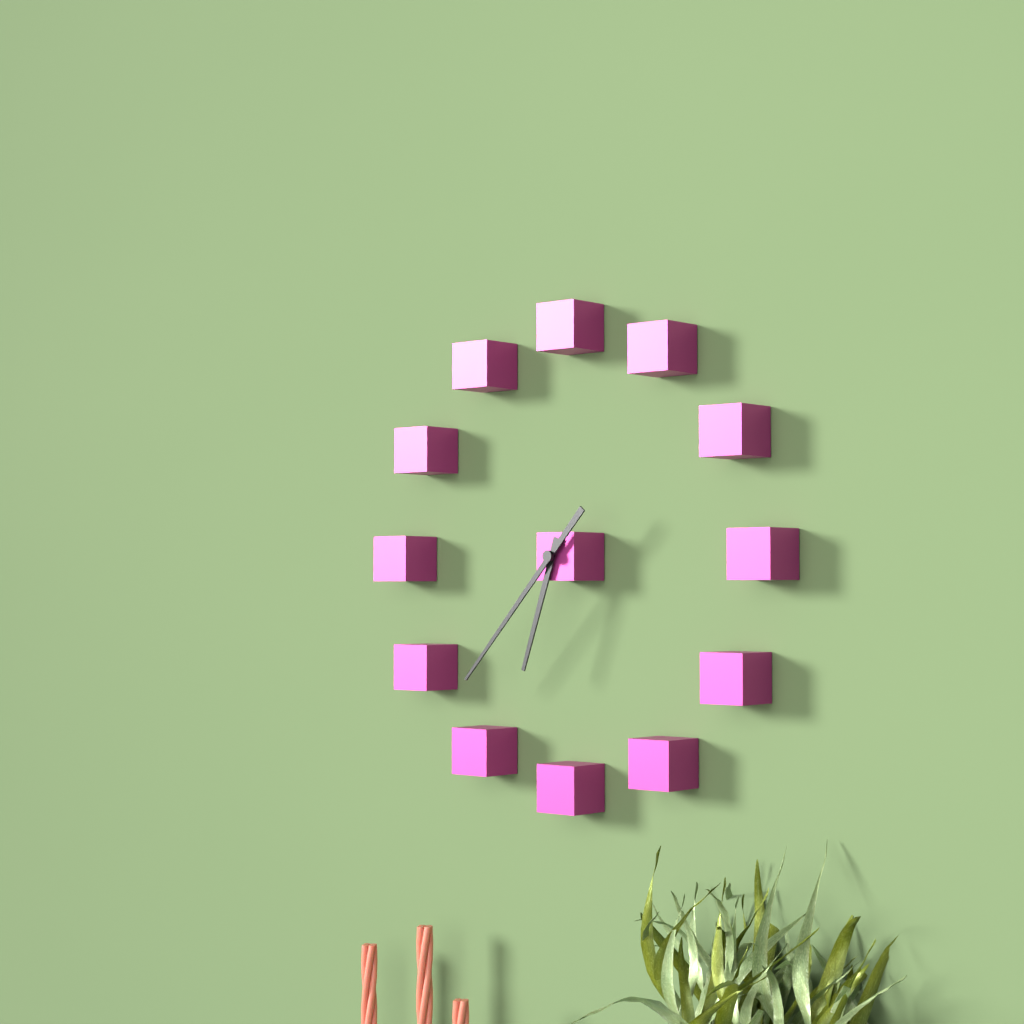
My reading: 6:37
